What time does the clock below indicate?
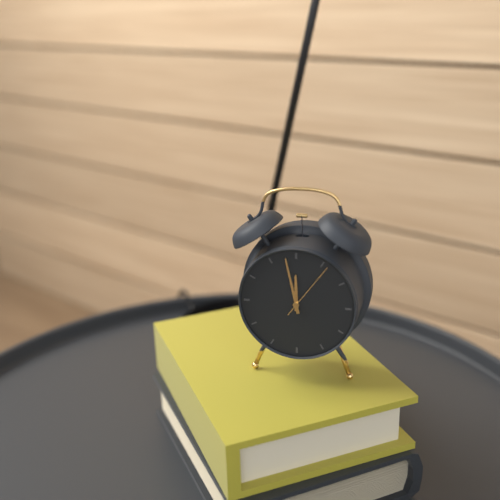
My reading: 11:58
